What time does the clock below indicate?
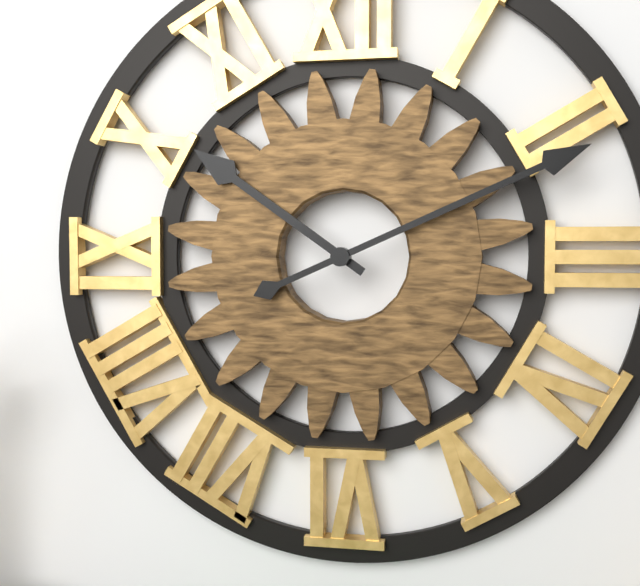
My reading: 10:11
